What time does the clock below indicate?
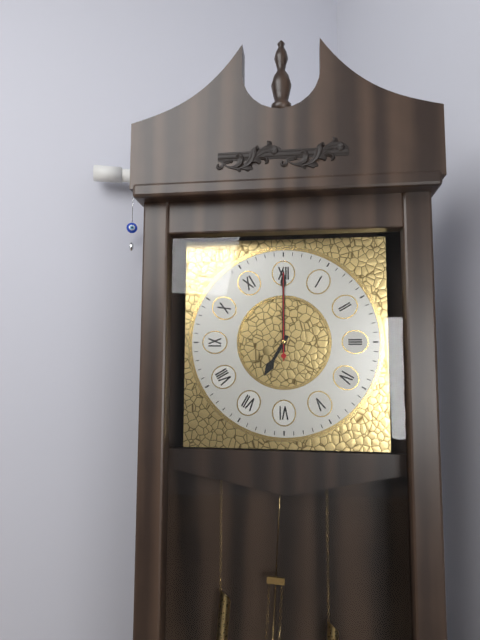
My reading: 7:00:00
